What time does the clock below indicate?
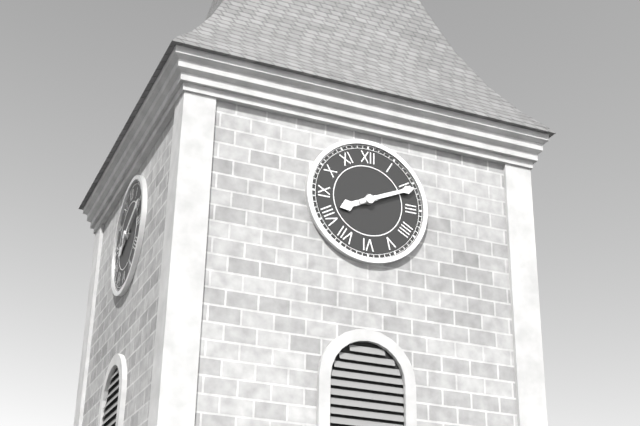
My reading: 8:11
